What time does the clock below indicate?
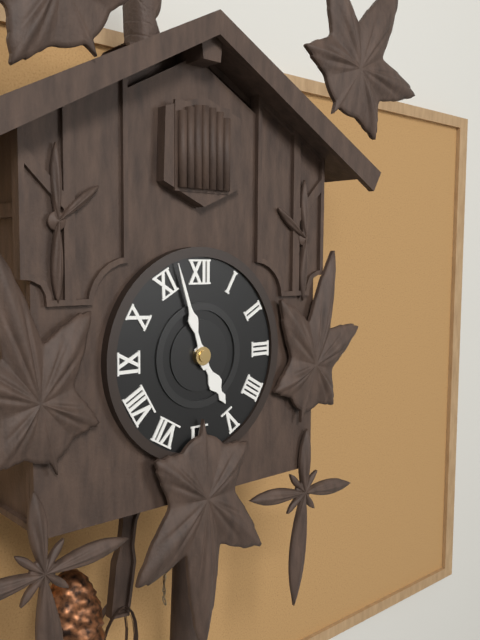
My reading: 4:57
